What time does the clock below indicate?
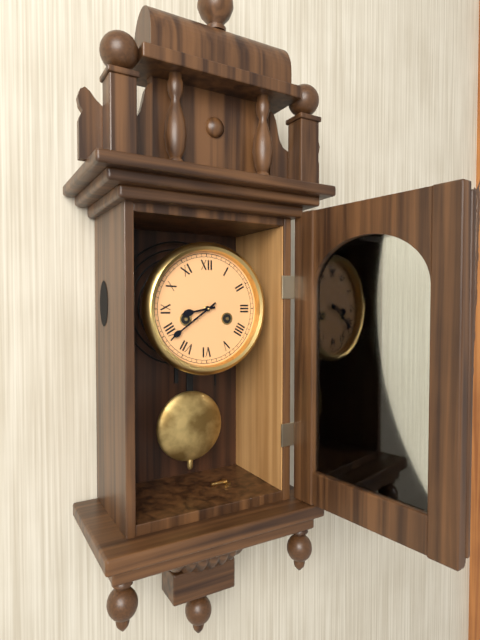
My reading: 8:39
